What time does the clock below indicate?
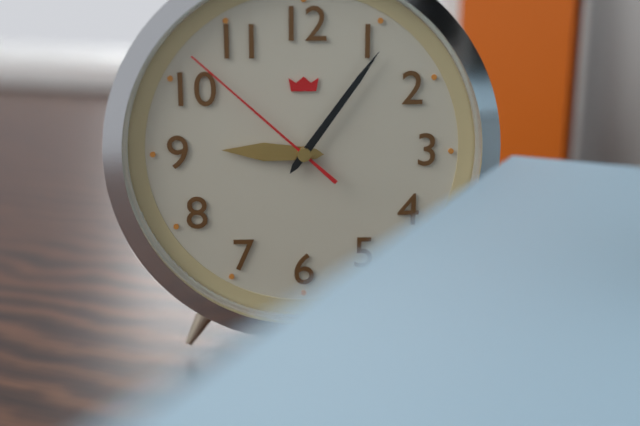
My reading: 9:06:52
